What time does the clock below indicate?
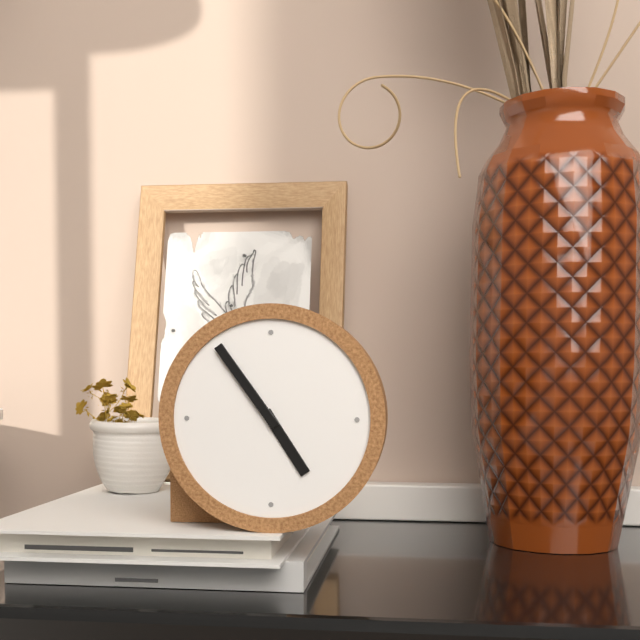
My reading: 4:54
